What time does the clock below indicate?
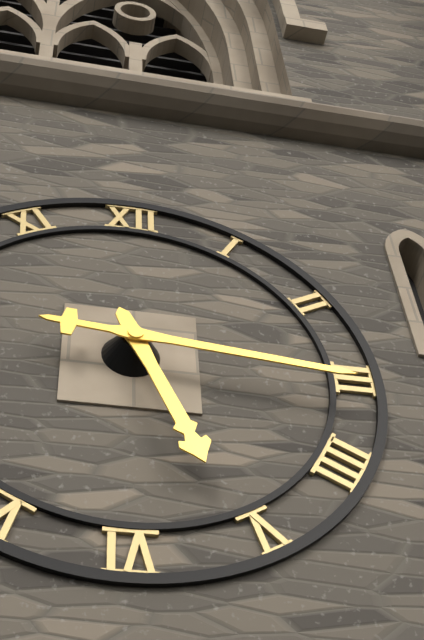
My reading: 5:16
